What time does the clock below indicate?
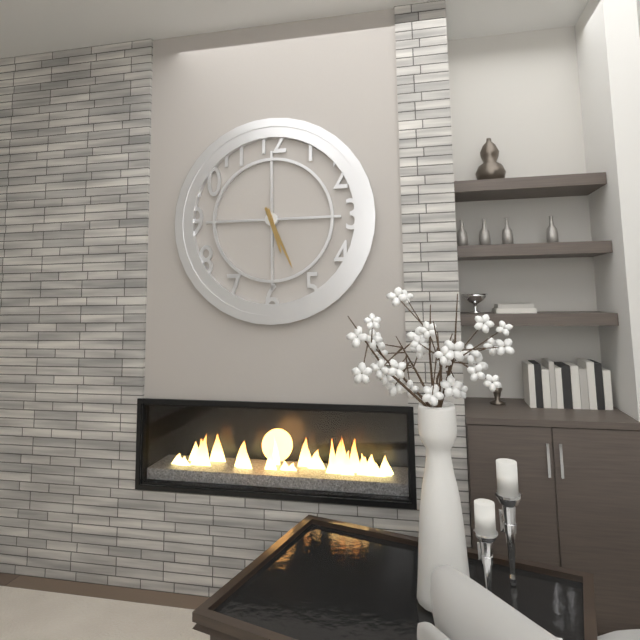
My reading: 5:26
